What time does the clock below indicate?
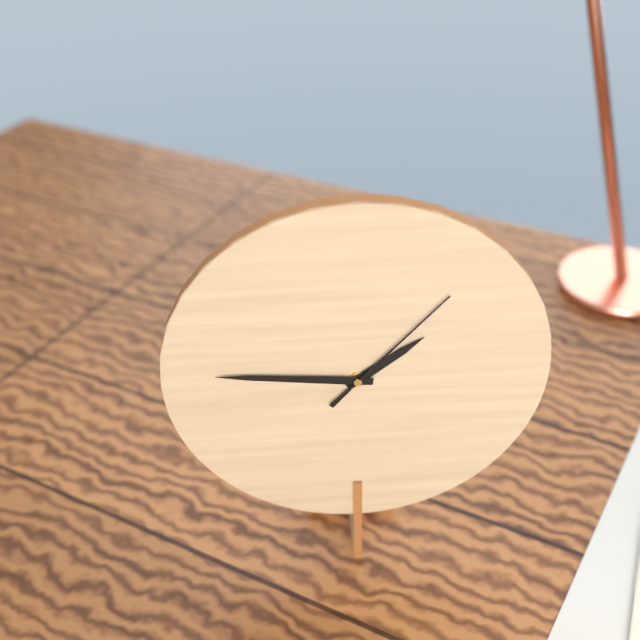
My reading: 1:46:07
